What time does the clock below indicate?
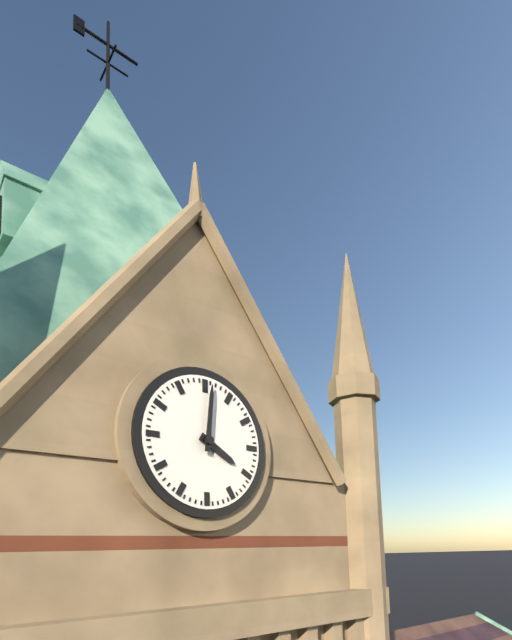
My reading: 4:01
